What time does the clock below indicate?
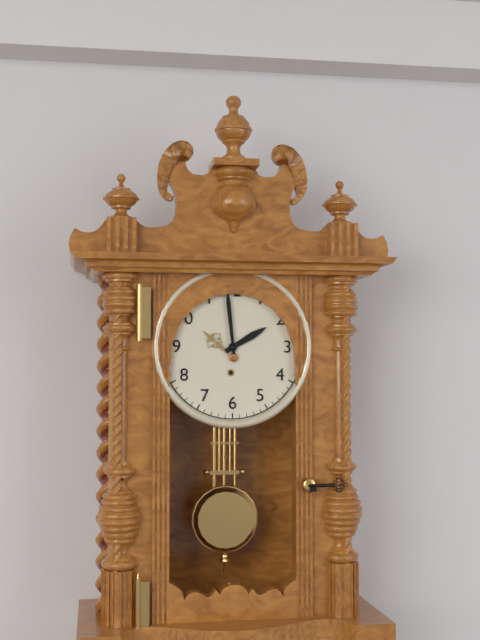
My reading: 1:59
